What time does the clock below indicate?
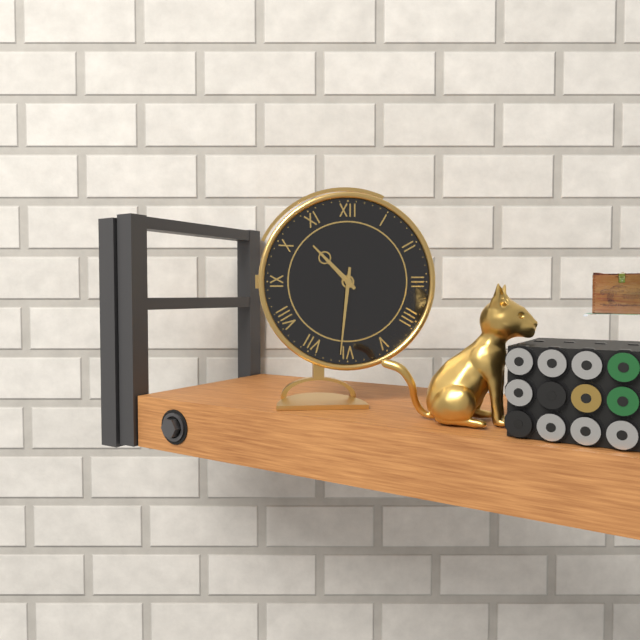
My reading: 10:31
